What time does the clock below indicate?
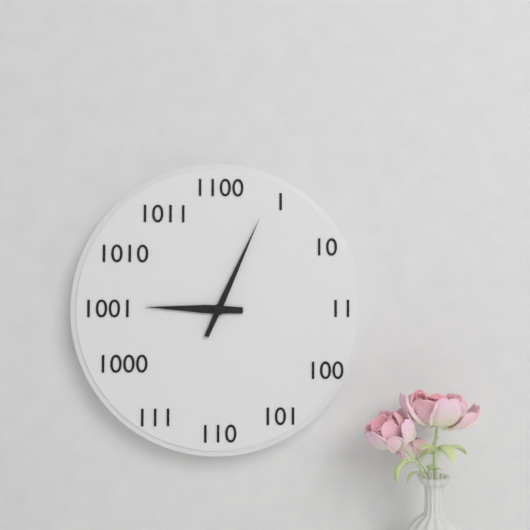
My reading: 9:04
